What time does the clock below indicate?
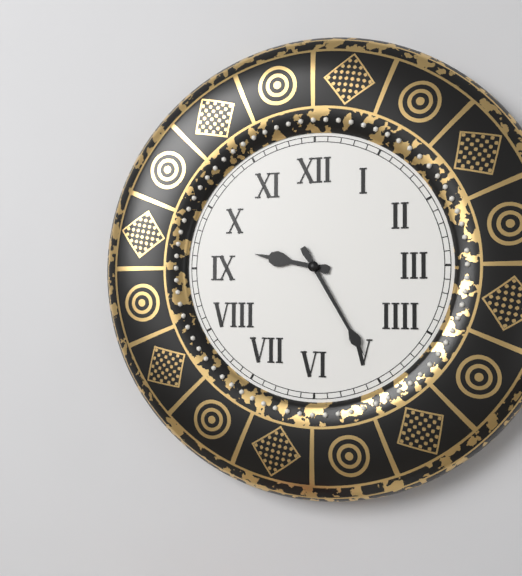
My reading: 9:25
